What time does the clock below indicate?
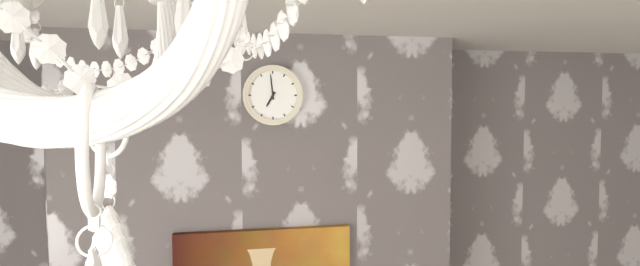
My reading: 6:59
